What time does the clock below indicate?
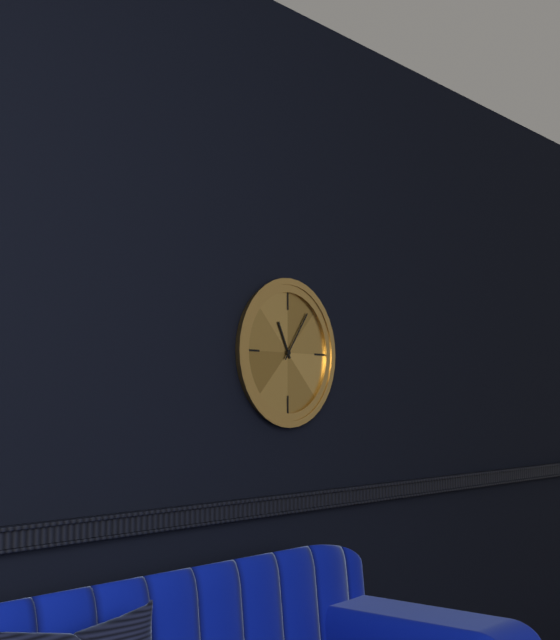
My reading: 11:06
